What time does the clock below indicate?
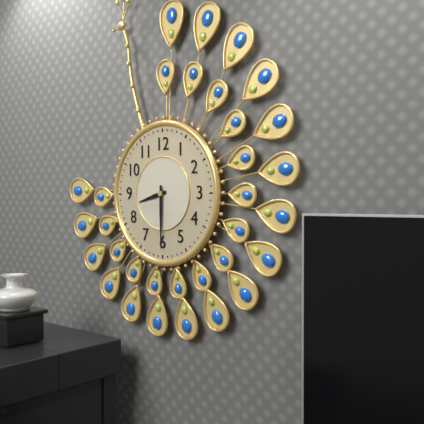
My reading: 8:30
